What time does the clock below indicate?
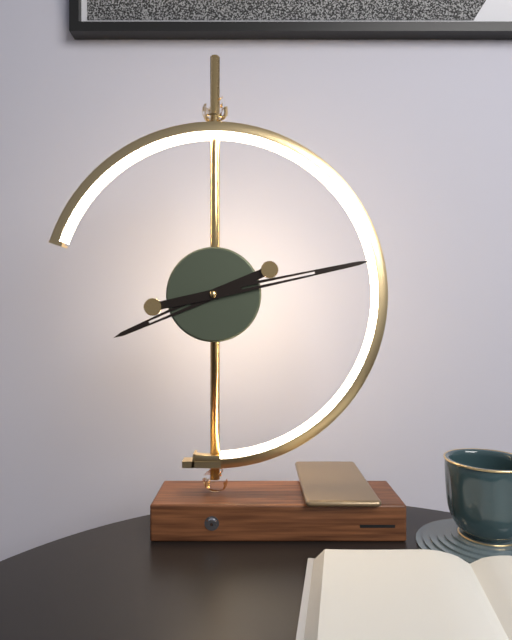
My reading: 8:13
